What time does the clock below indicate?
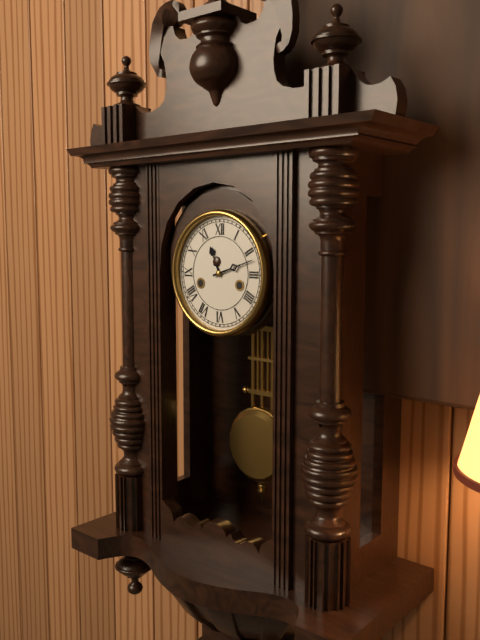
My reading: 11:12
